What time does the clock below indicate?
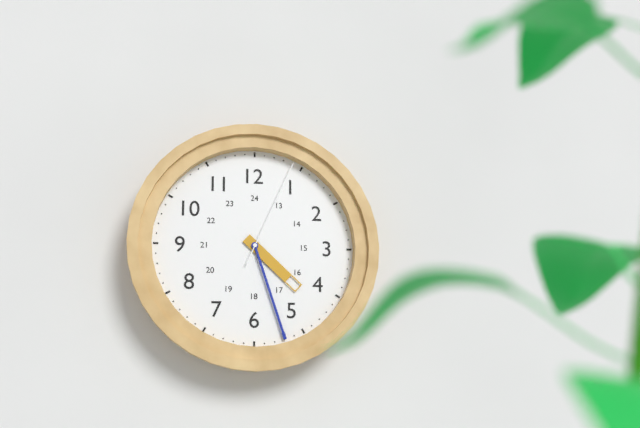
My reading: 4:27:04
